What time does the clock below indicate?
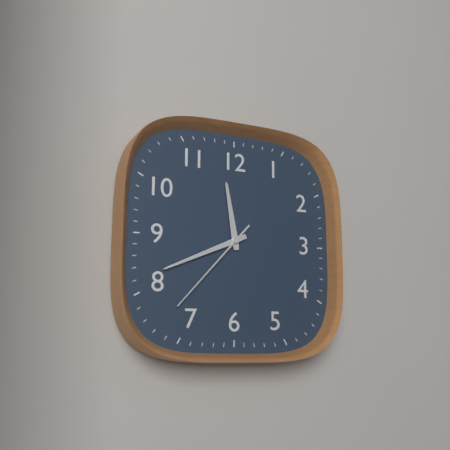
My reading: 11:41:37
